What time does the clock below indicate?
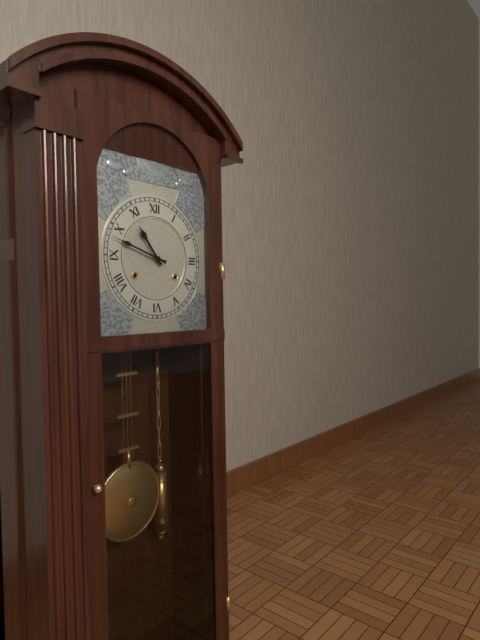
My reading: 10:48
